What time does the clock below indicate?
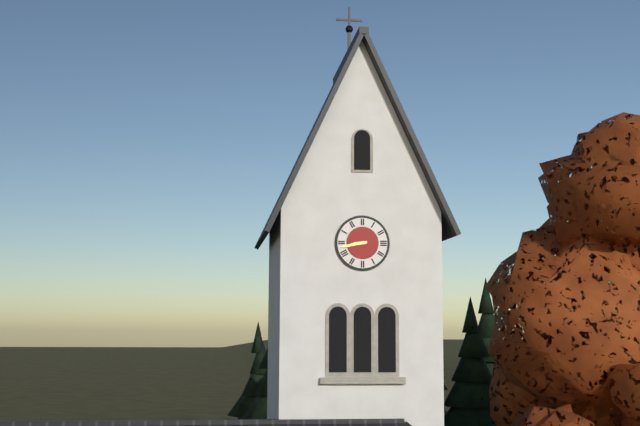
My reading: 8:43
